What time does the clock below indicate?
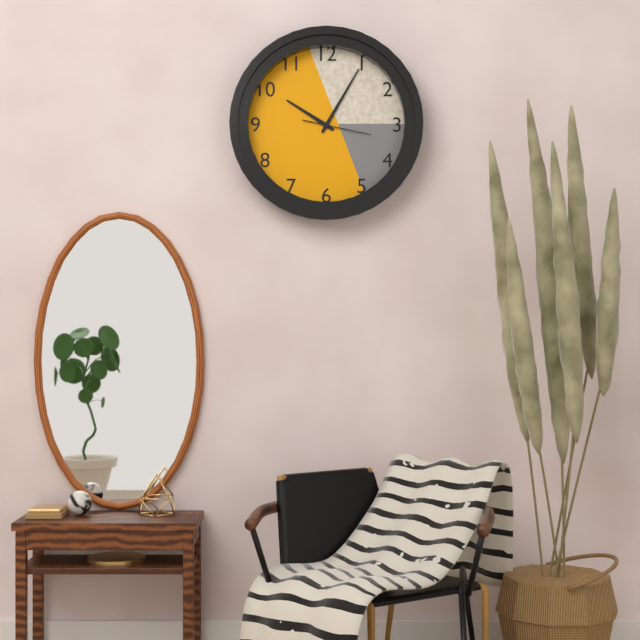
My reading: 10:05:17
